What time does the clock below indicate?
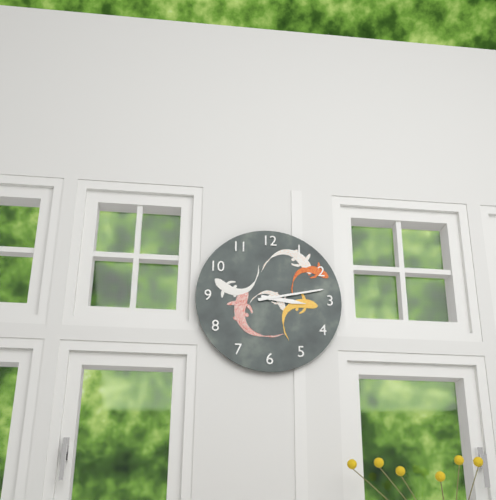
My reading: 3:13
